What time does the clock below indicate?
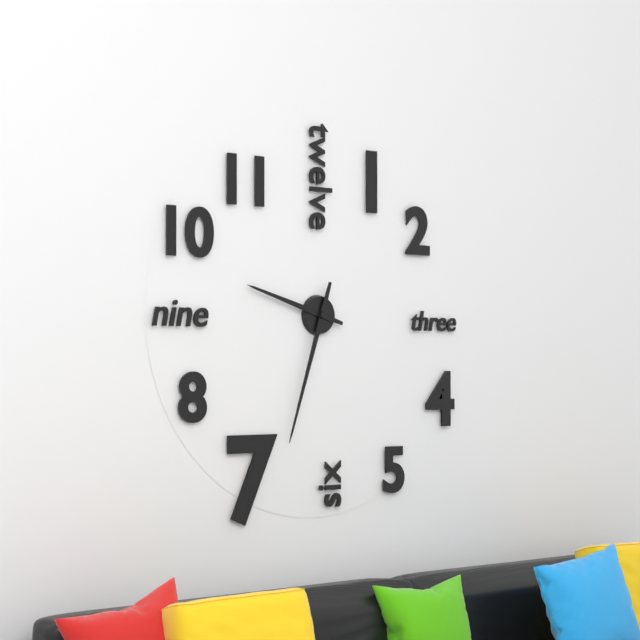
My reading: 9:33
